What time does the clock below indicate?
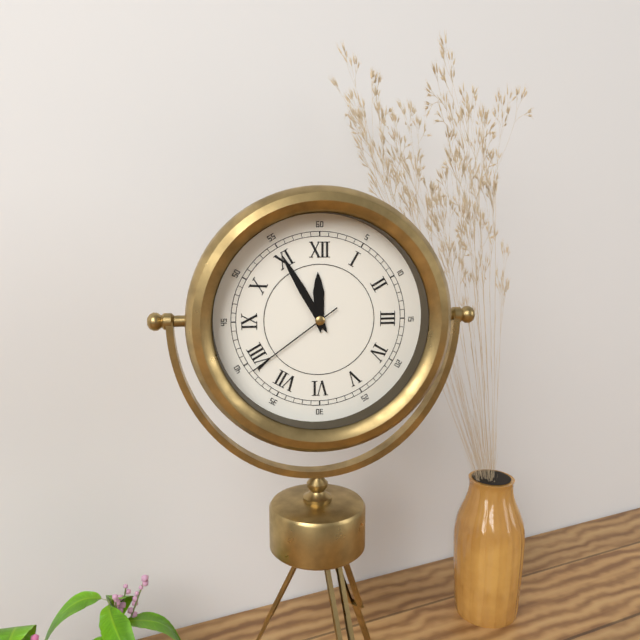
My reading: 11:55:39
